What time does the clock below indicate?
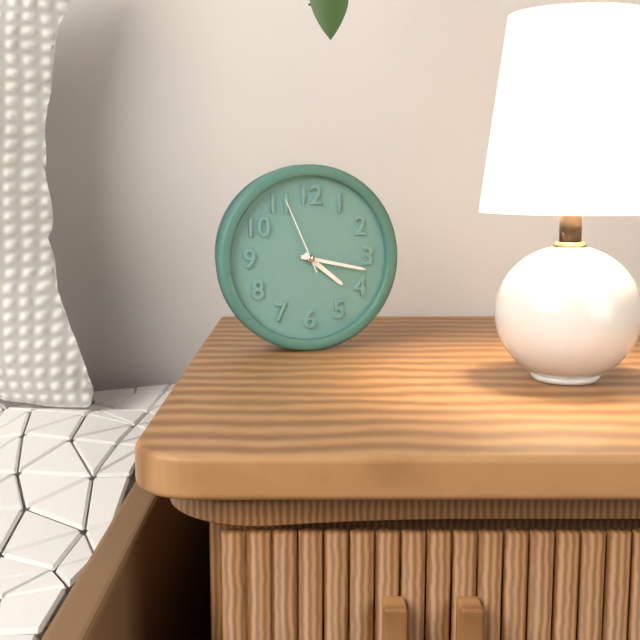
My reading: 4:17:56
